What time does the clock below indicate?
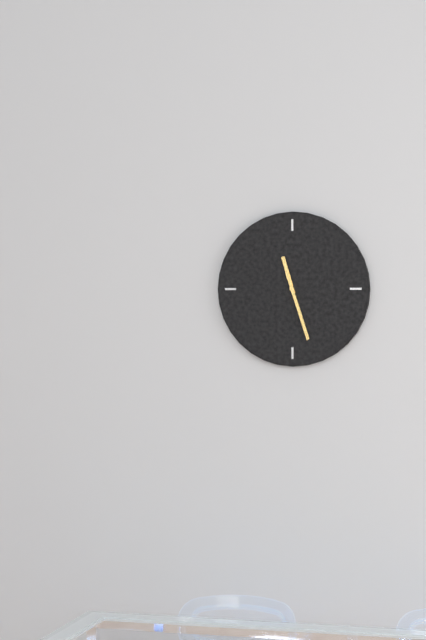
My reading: 11:27
